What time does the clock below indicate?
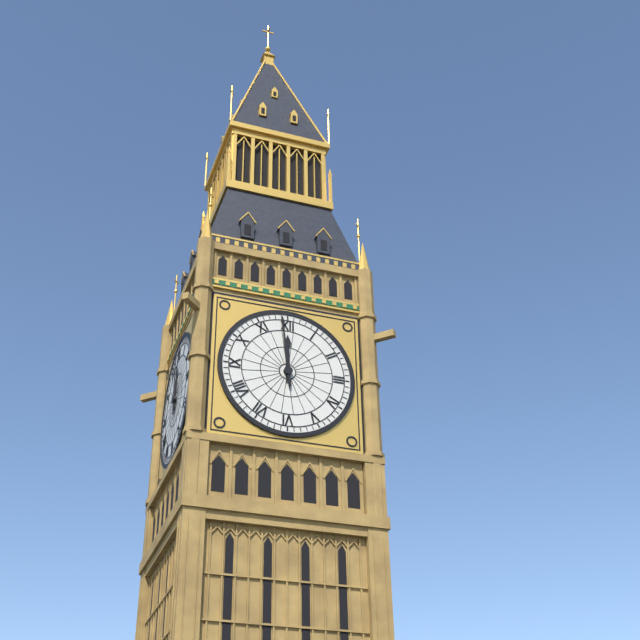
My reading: 11:59
